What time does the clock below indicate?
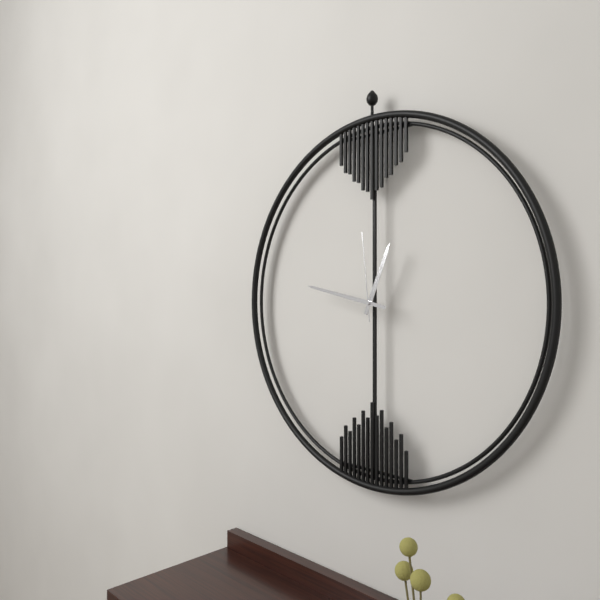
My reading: 12:47:59
